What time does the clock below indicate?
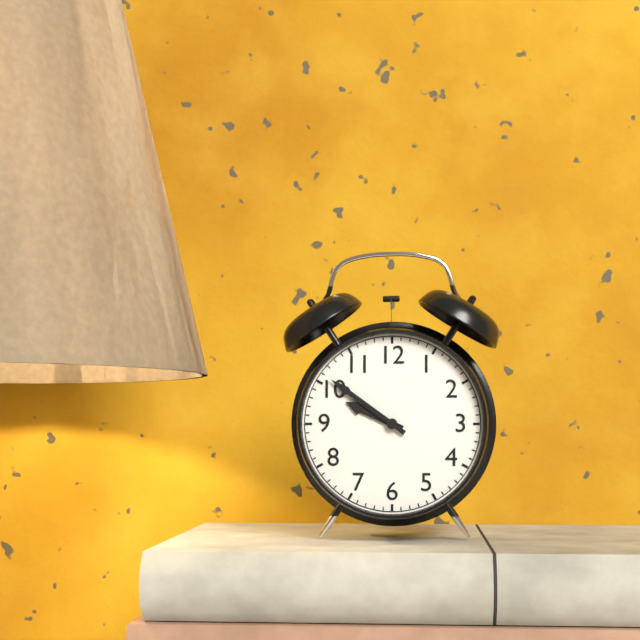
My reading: 9:51
